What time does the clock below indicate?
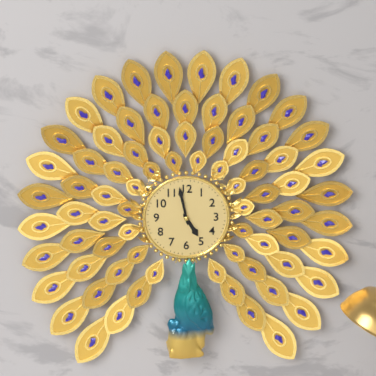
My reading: 4:58
